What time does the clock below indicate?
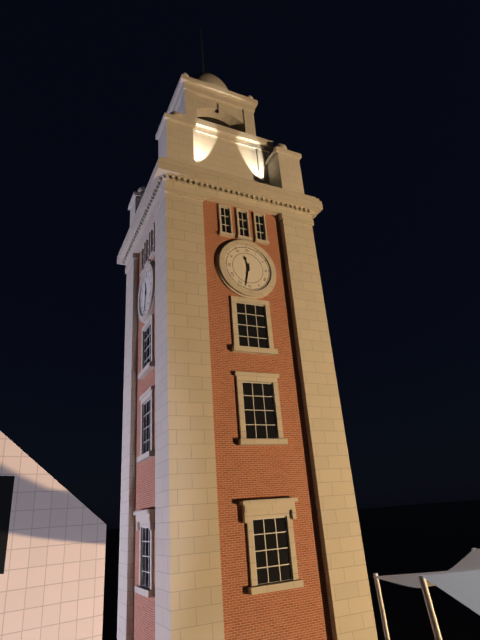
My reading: 11:32
